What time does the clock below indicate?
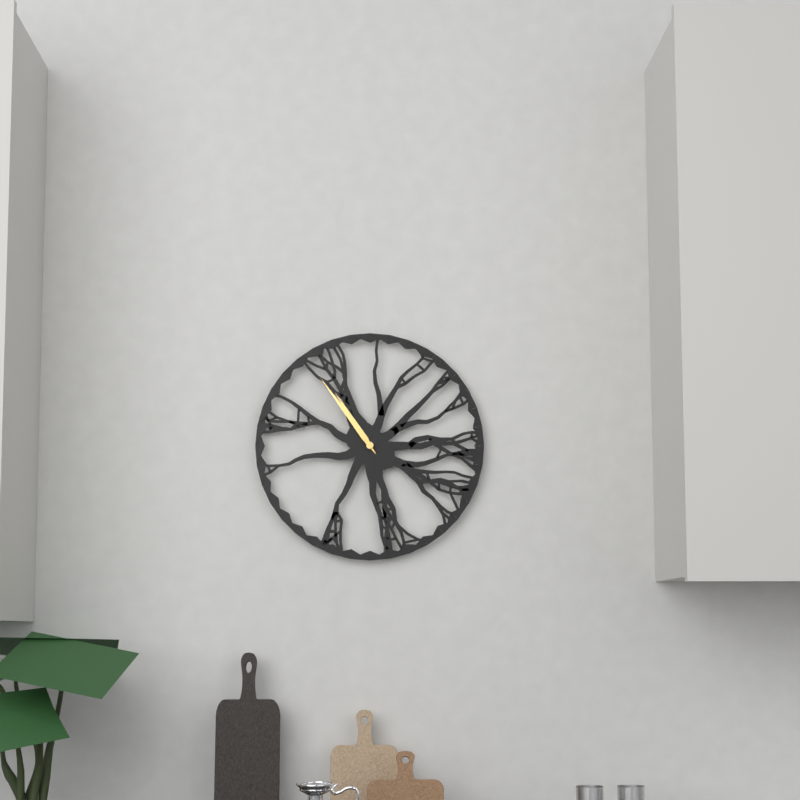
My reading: 10:54
